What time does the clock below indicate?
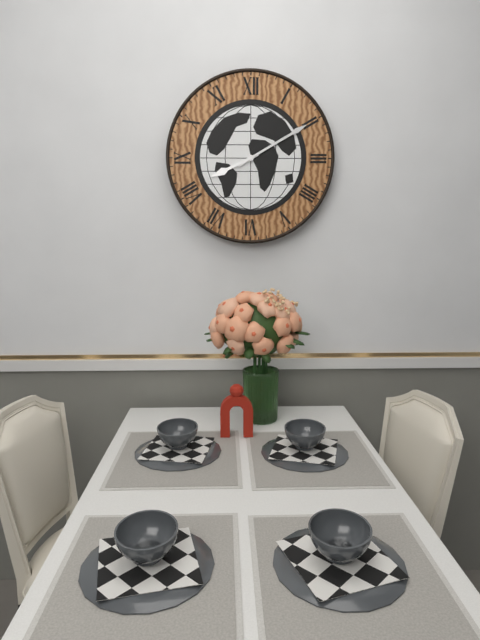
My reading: 8:10
